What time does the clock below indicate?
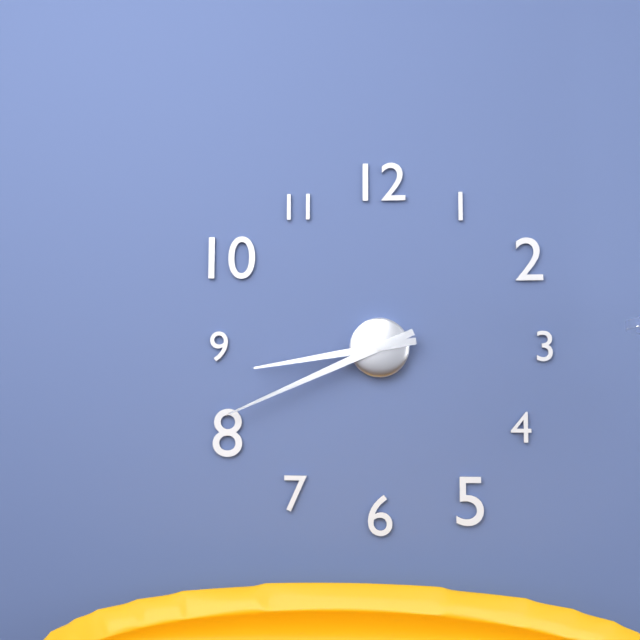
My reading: 8:41
